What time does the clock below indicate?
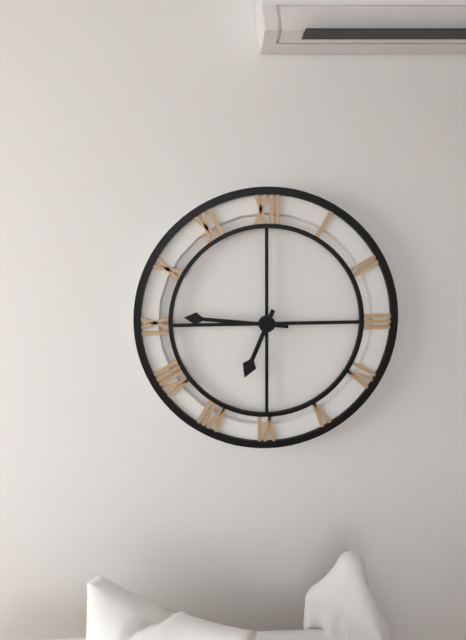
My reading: 6:46
